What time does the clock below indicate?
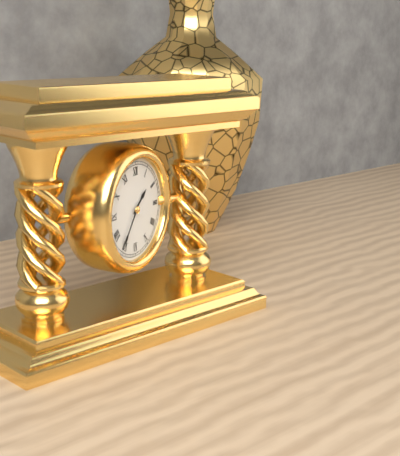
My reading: 1:36
